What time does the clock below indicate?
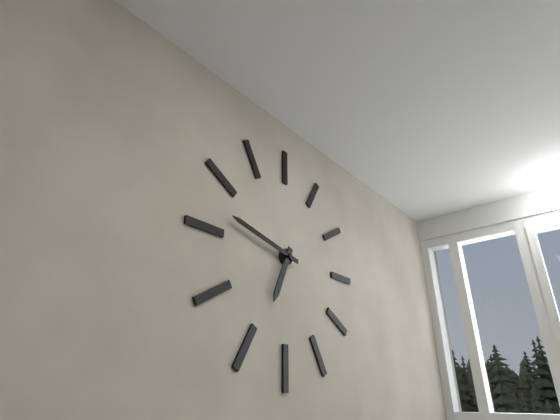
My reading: 6:47
